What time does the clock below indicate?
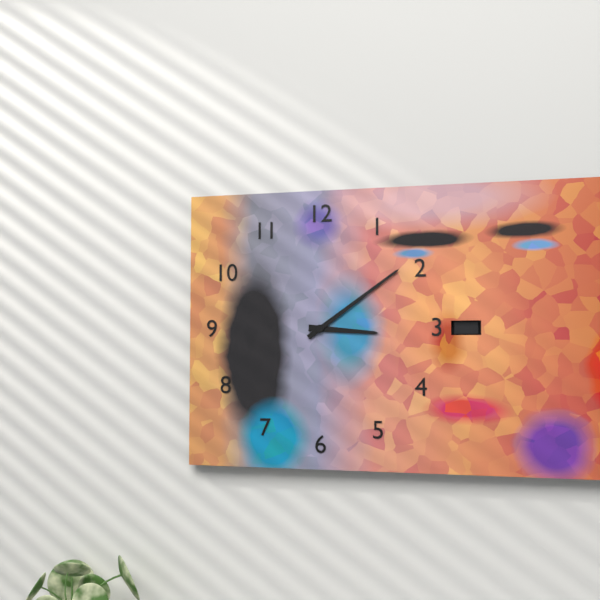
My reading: 3:09
